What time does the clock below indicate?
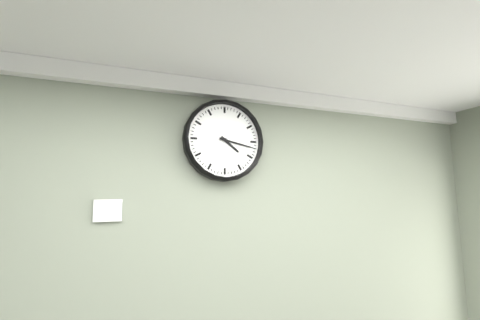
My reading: 4:17
